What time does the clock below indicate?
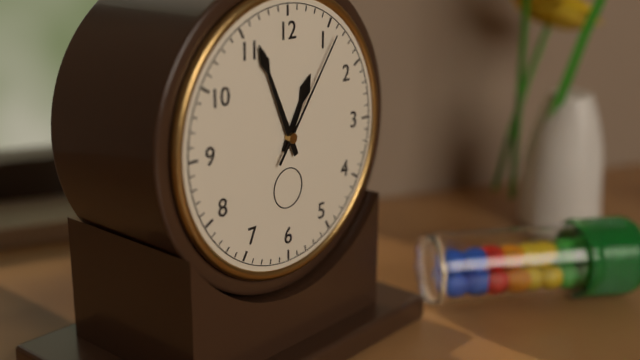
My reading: 12:56:06
